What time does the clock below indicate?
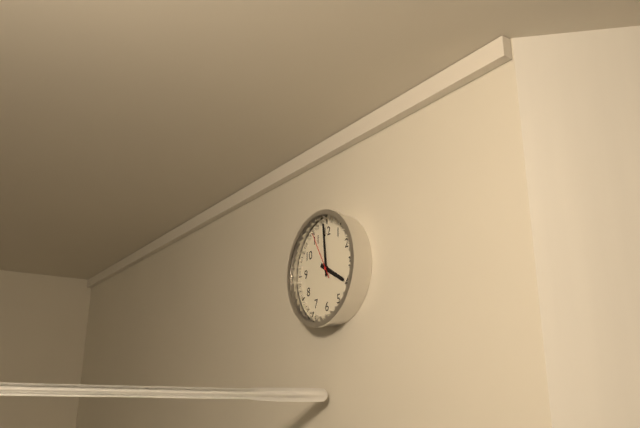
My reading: 3:59
